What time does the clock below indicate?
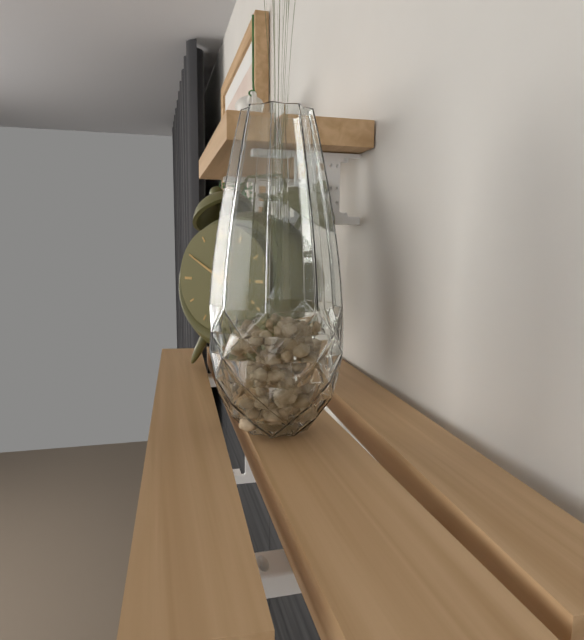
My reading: 12:50:03
